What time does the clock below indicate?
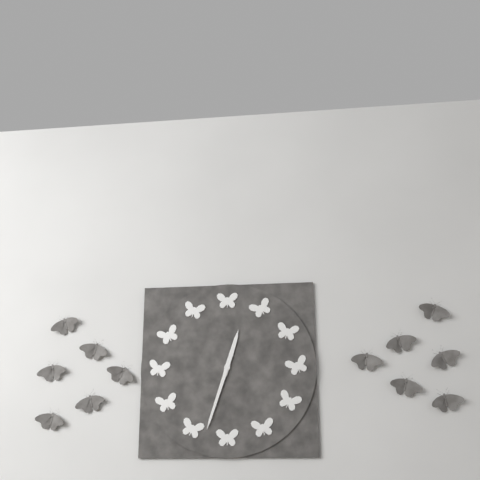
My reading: 12:33
